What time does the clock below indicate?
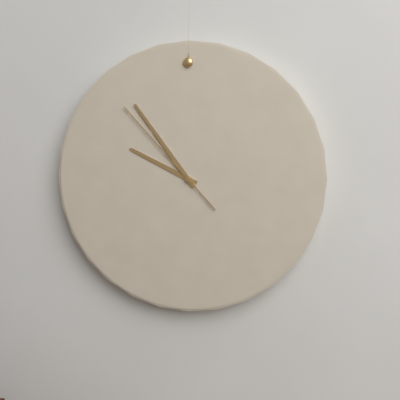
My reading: 9:54:53
